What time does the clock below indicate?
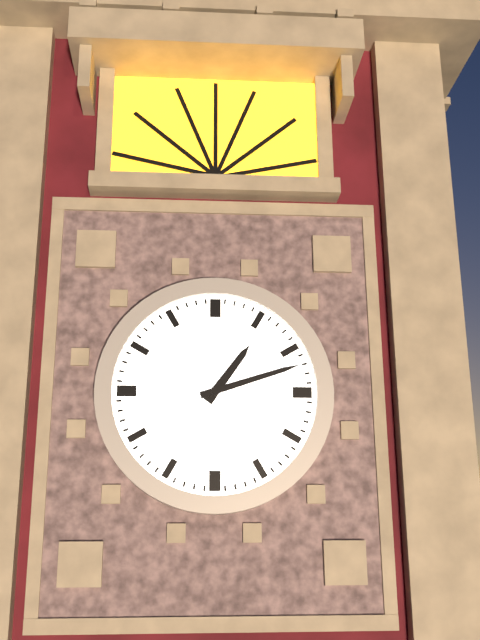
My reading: 1:12
